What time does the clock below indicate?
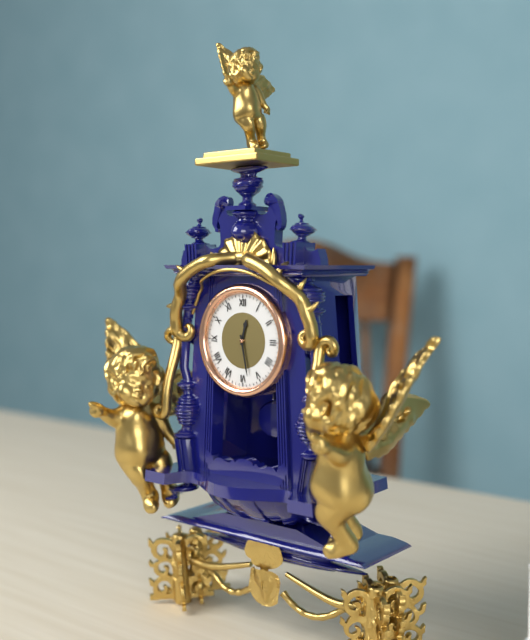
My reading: 12:28
